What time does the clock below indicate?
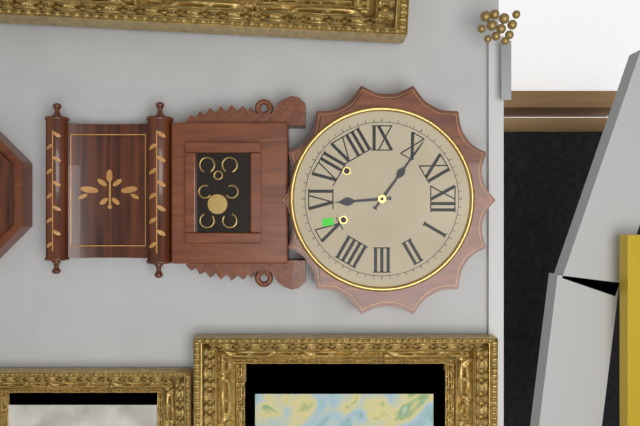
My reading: 5:51
